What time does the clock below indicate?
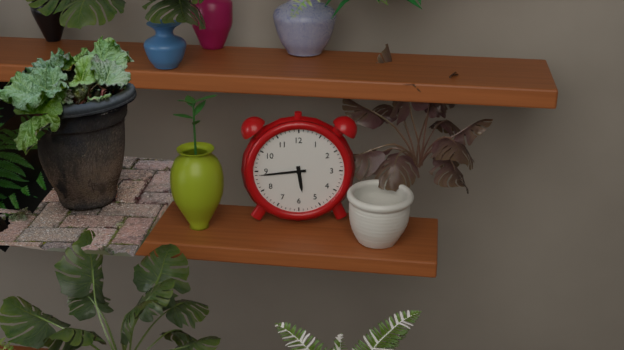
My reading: 5:44
